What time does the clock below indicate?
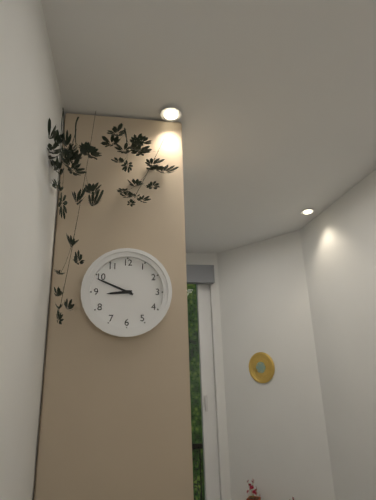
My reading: 8:49
